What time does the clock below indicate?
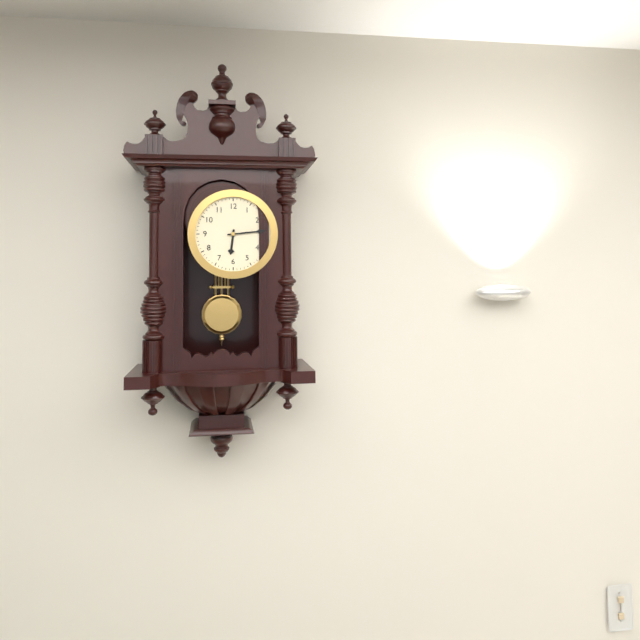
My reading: 6:14
